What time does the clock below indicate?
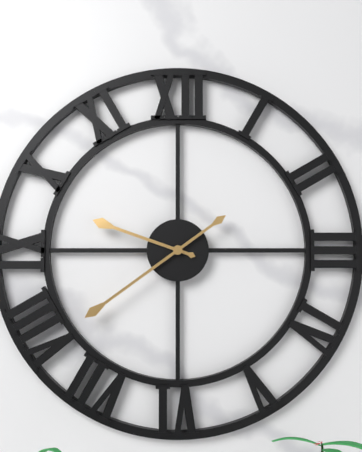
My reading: 9:39
